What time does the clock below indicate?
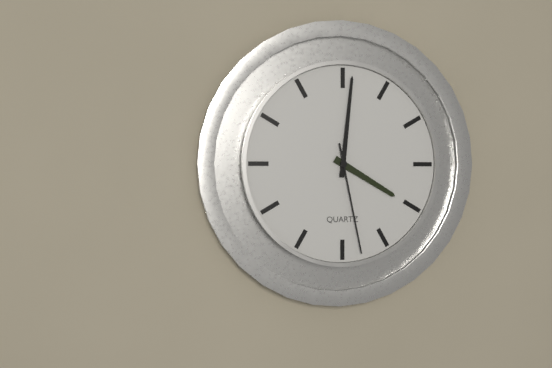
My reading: 4:01:28
